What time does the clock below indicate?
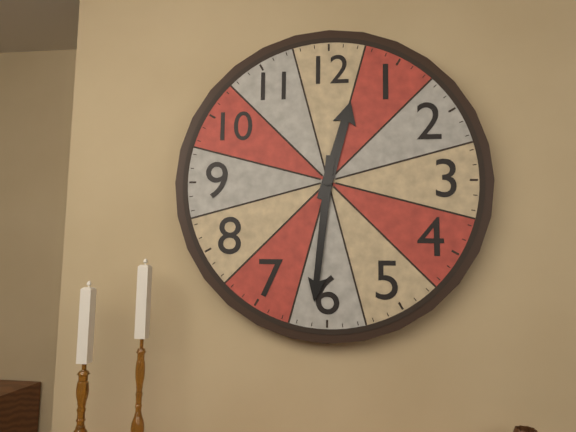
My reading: 12:31
